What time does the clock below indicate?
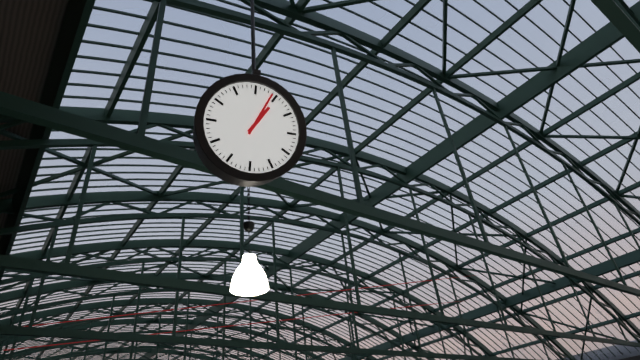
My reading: 1:04
